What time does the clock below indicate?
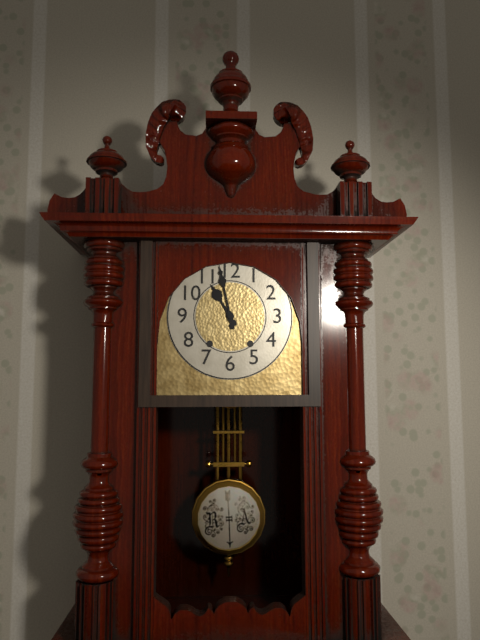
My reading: 10:58
